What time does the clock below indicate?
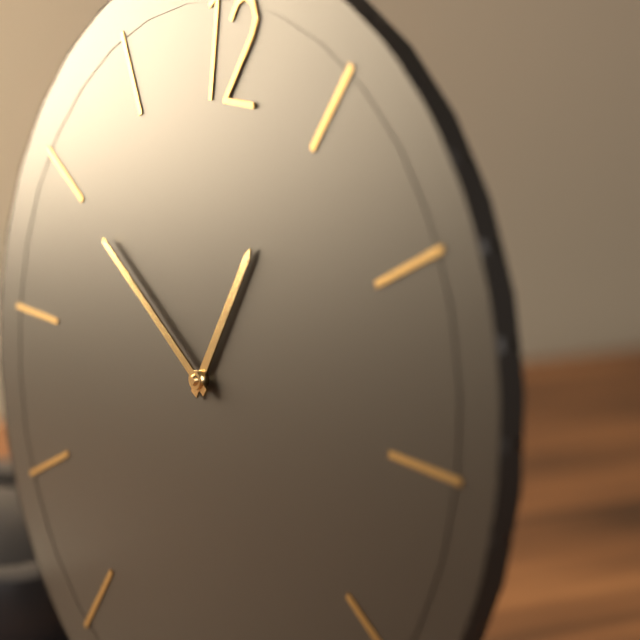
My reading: 12:50
